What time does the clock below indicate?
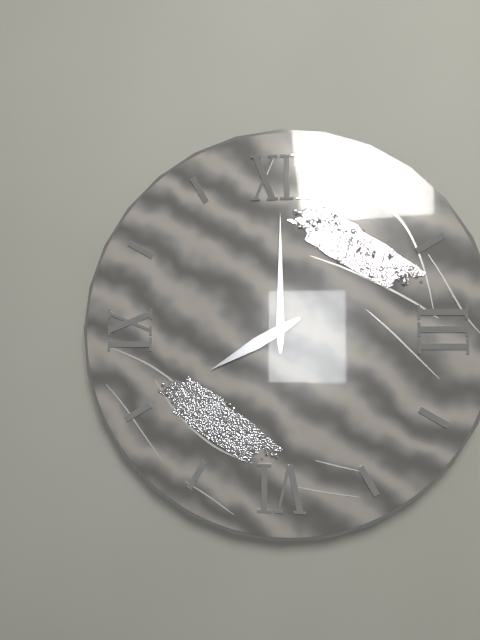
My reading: 8:00
